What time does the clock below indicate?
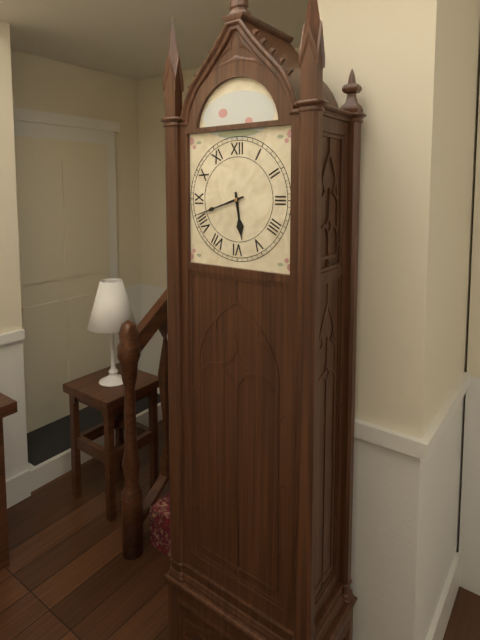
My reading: 5:42
